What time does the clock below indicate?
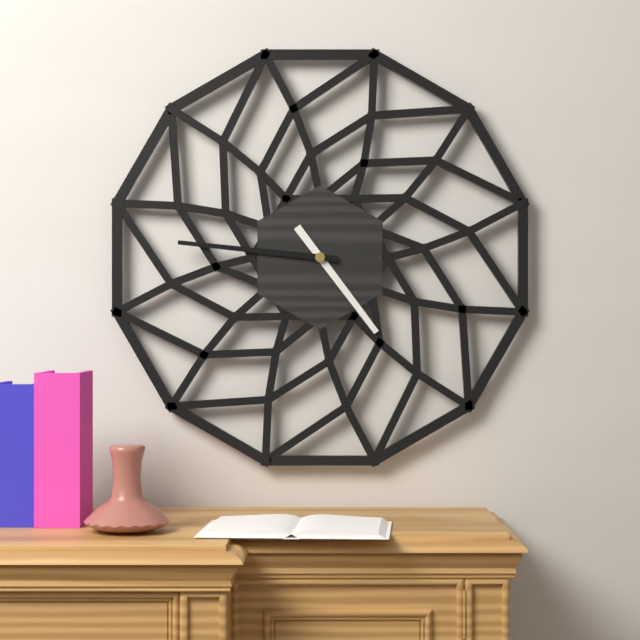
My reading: 4:46
